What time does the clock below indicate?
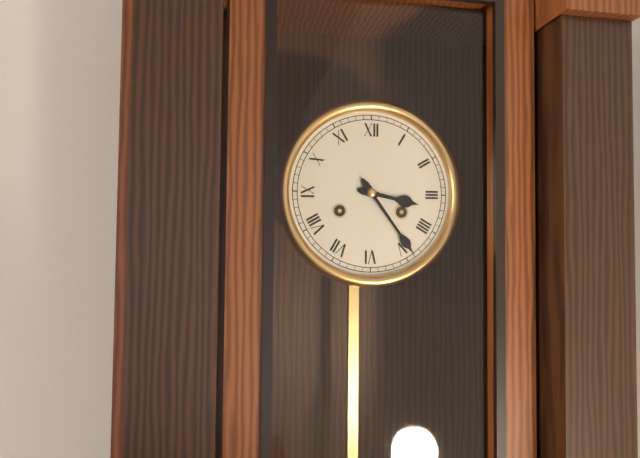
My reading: 3:24
